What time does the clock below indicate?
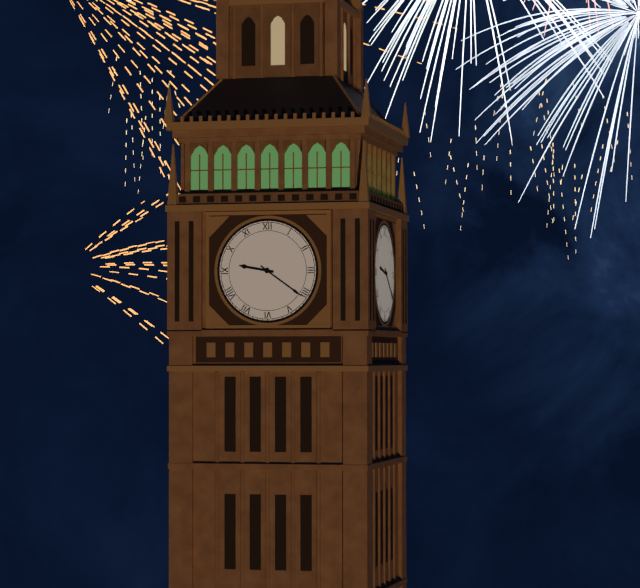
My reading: 9:21
